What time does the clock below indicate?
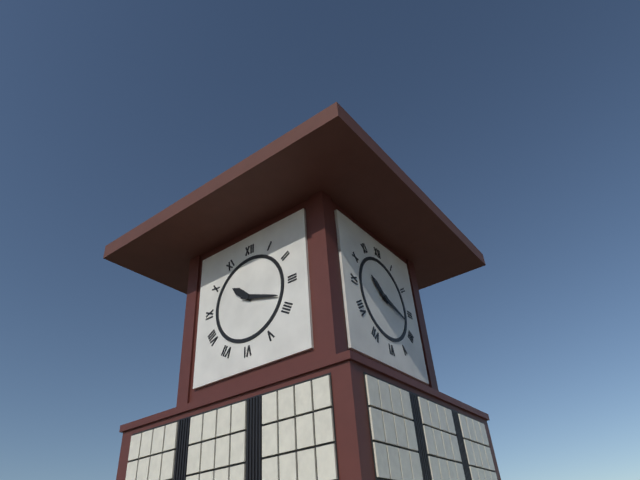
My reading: 10:18
